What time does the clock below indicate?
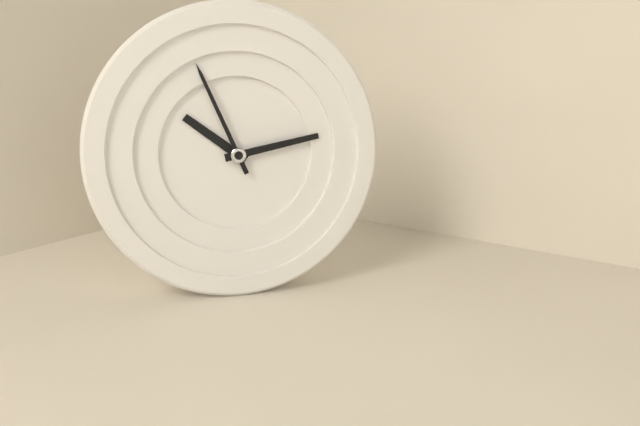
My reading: 10:13:56
